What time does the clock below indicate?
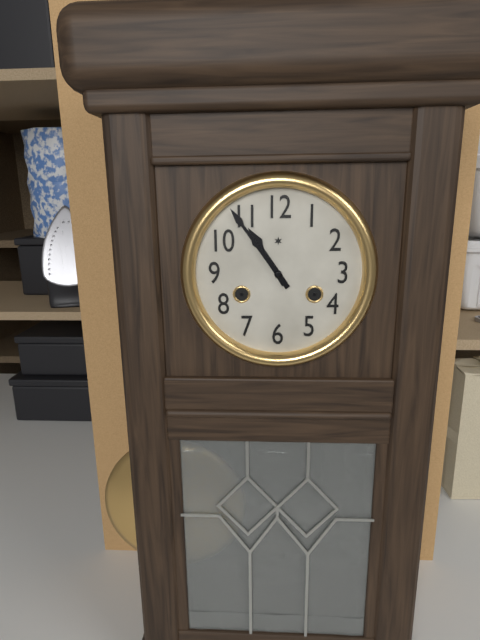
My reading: 10:54
